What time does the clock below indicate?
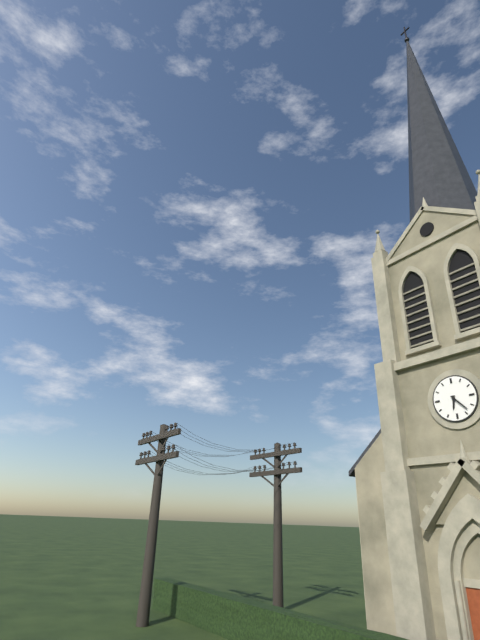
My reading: 6:23
